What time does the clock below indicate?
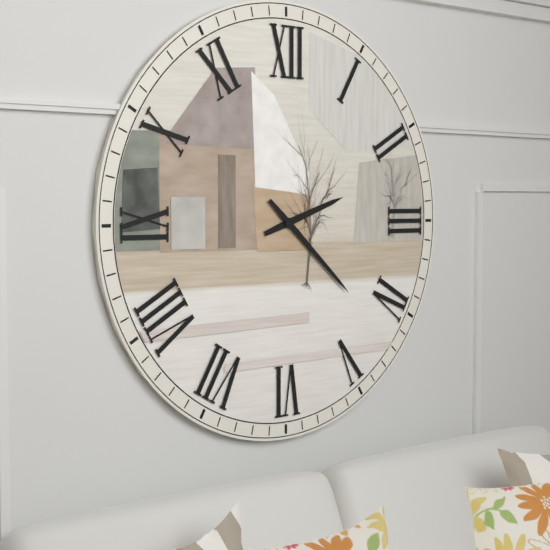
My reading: 2:22
